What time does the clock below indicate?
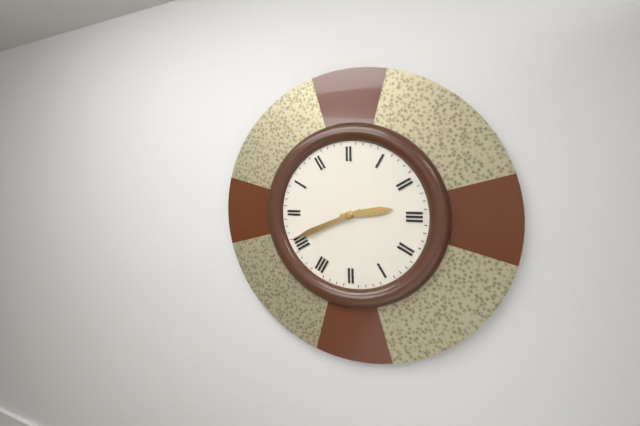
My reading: 2:41
